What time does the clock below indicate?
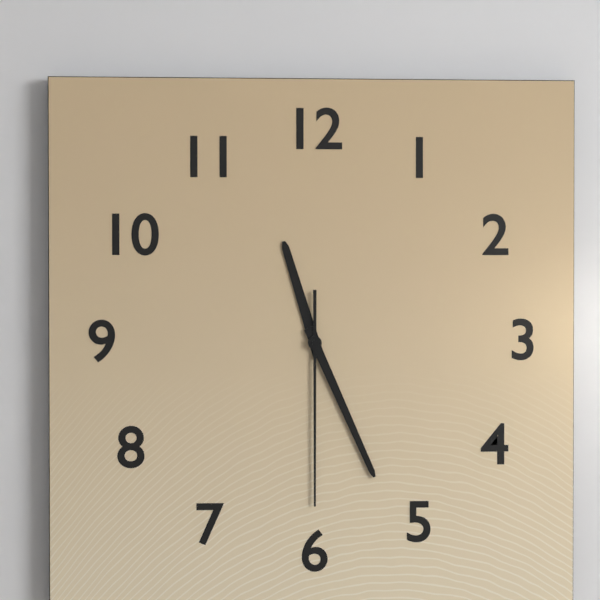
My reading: 11:26:30
